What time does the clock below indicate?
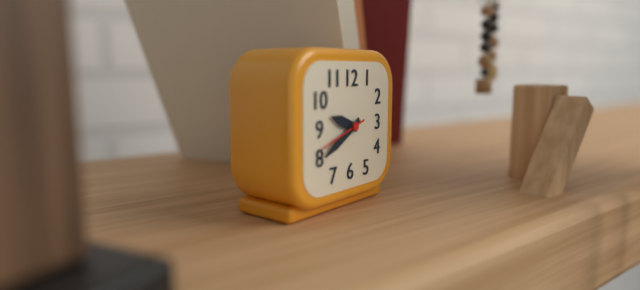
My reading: 9:40
